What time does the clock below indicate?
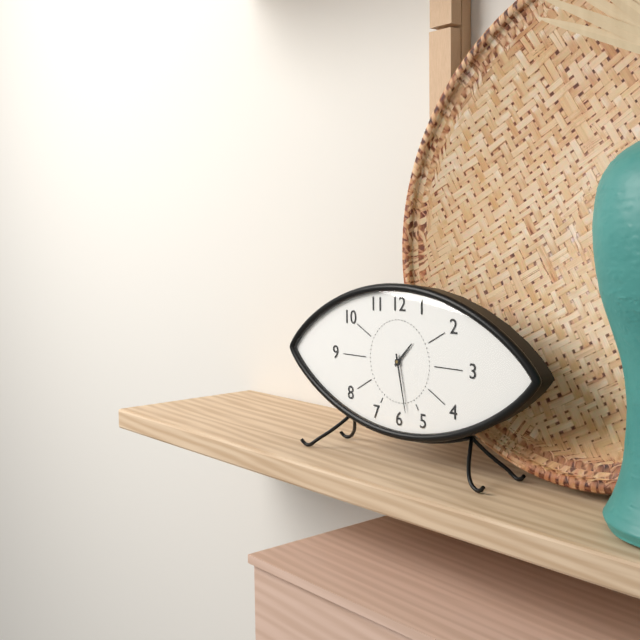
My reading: 1:28
